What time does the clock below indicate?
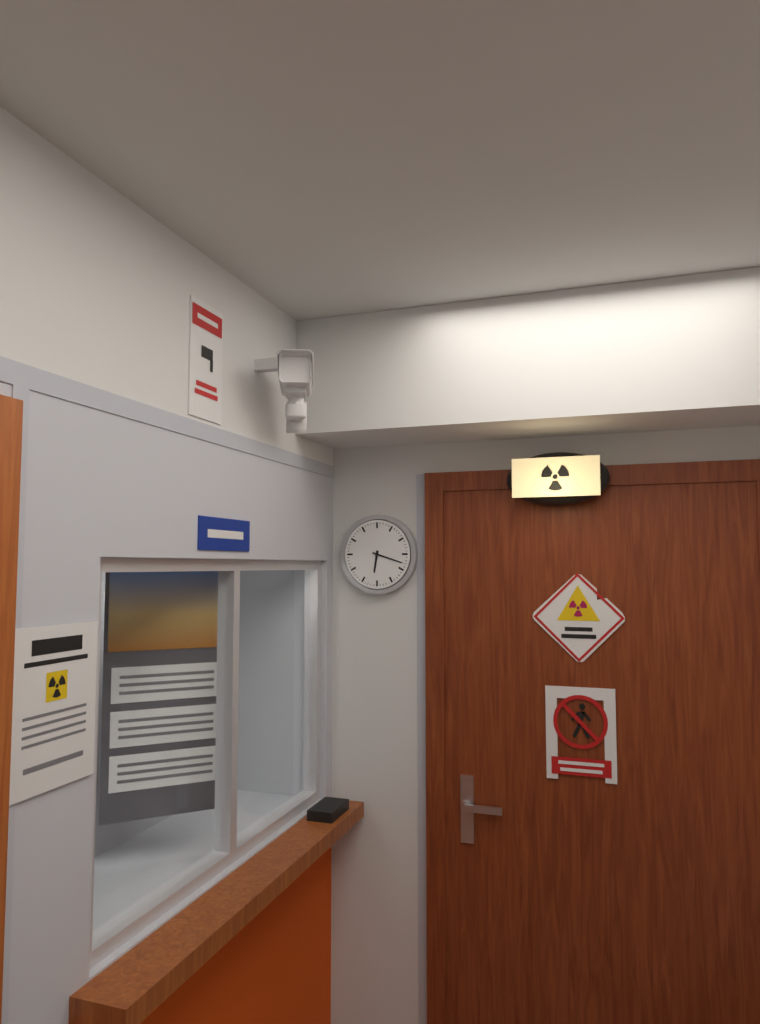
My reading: 6:18
